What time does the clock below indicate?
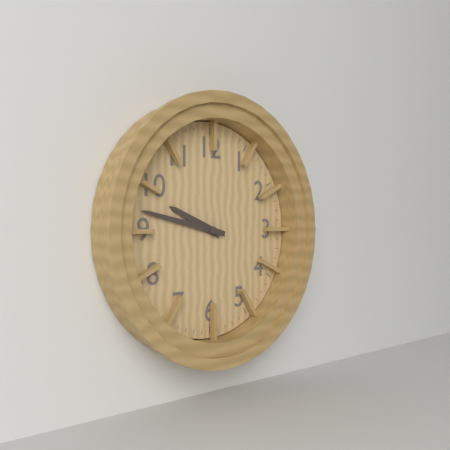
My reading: 9:47
